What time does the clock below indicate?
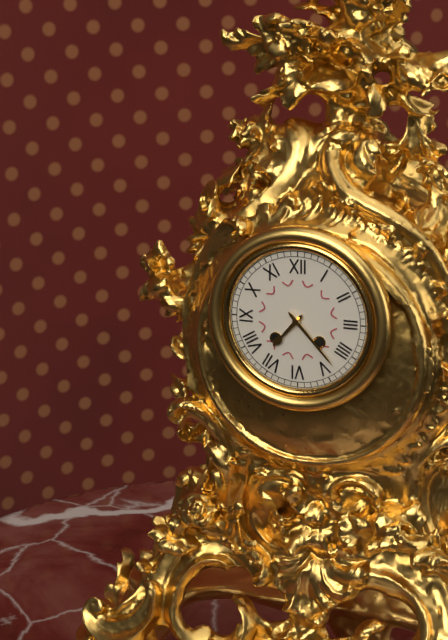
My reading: 7:23
